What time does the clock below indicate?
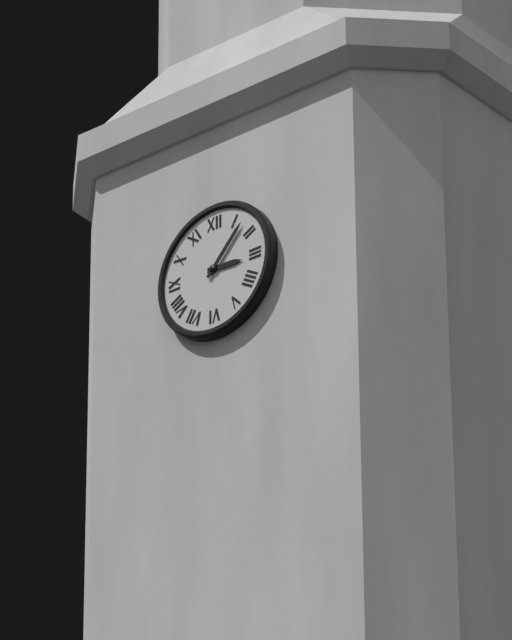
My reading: 3:07
